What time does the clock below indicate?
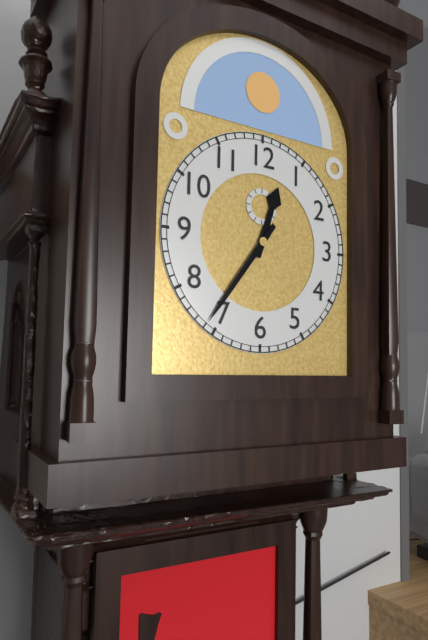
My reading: 12:36
